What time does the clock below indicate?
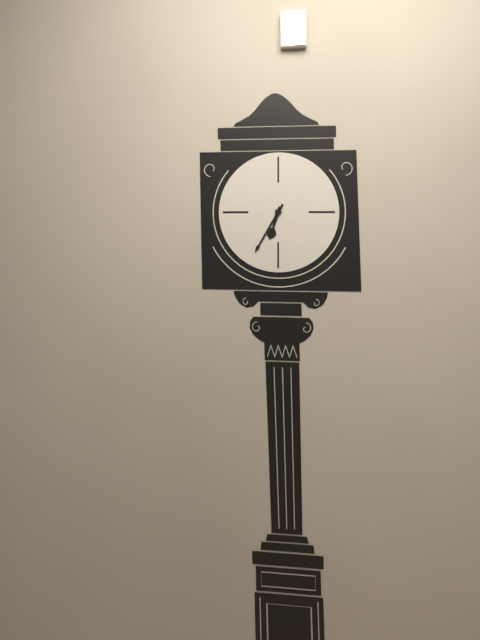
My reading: 6:35
